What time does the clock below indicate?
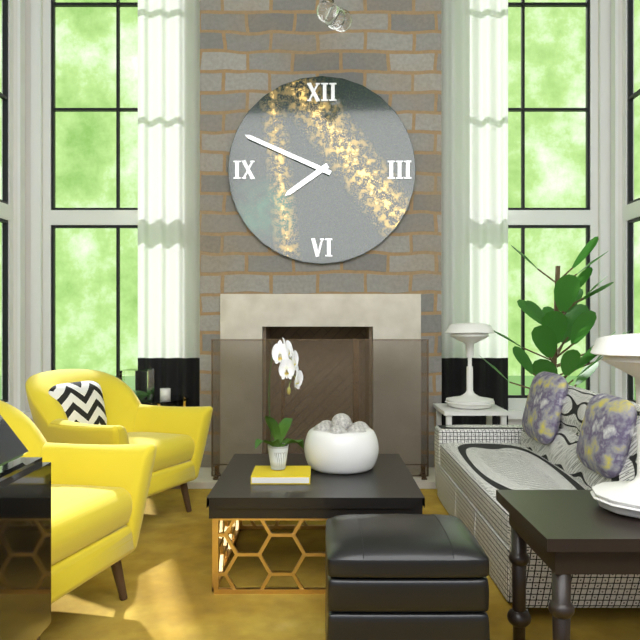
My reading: 7:49
